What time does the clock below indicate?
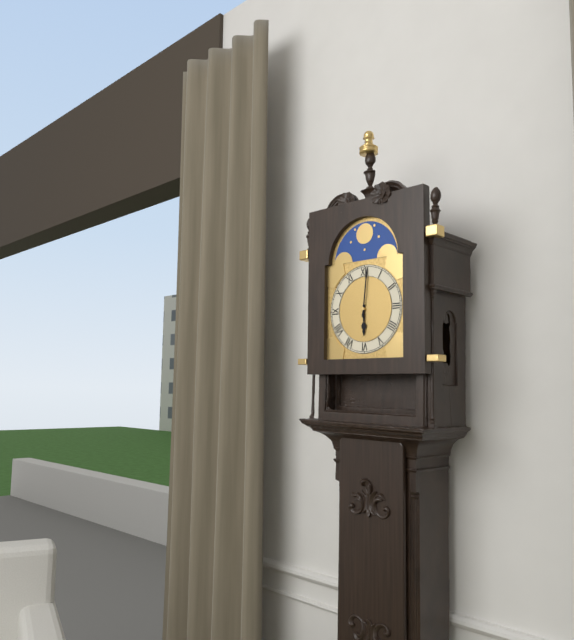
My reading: 6:01
